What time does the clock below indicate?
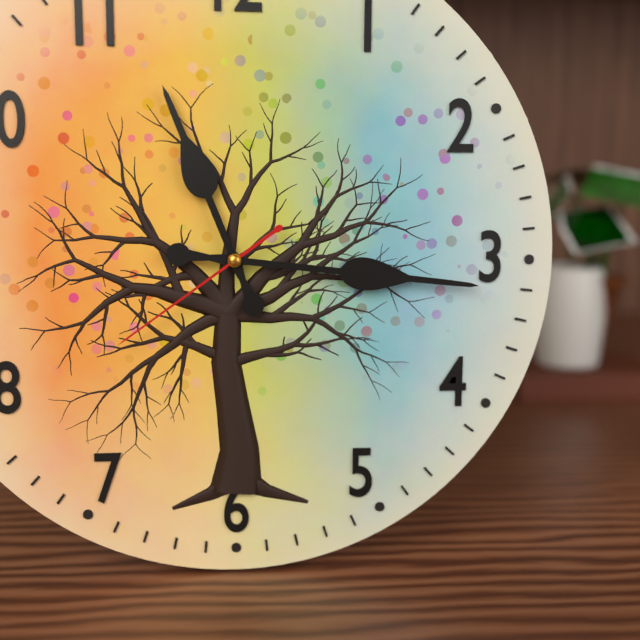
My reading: 11:16:39
